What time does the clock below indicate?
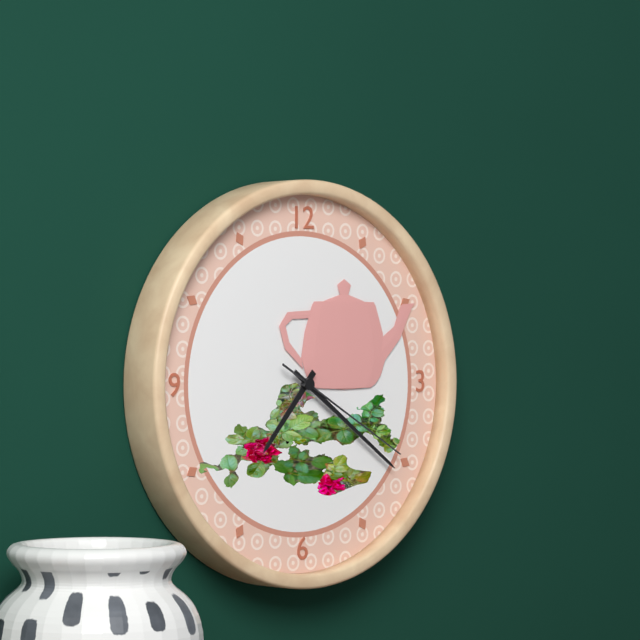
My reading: 7:21:20
